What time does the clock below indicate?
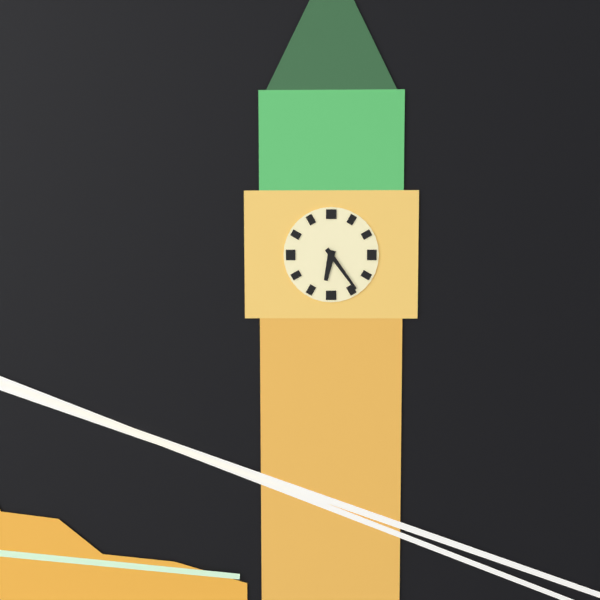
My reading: 6:24
